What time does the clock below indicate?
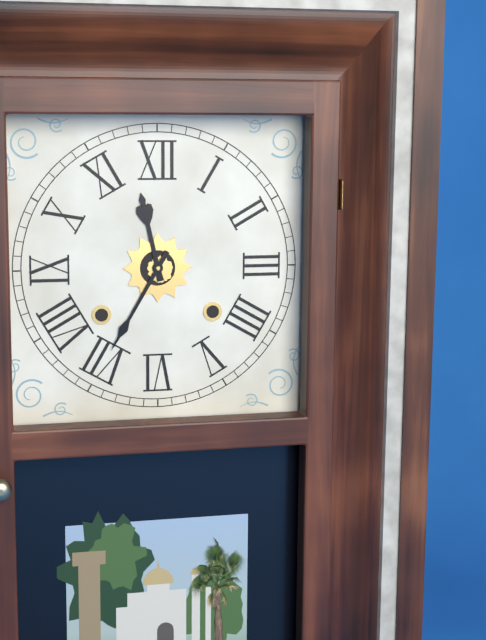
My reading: 11:35
